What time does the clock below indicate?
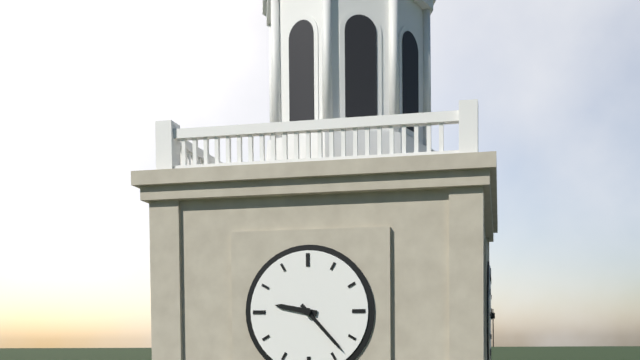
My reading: 9:23
